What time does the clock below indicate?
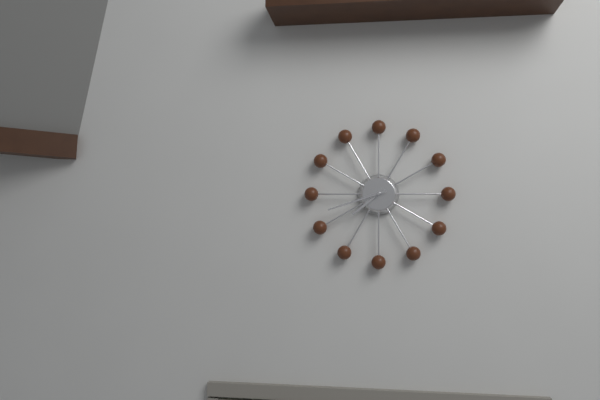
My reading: 7:42
